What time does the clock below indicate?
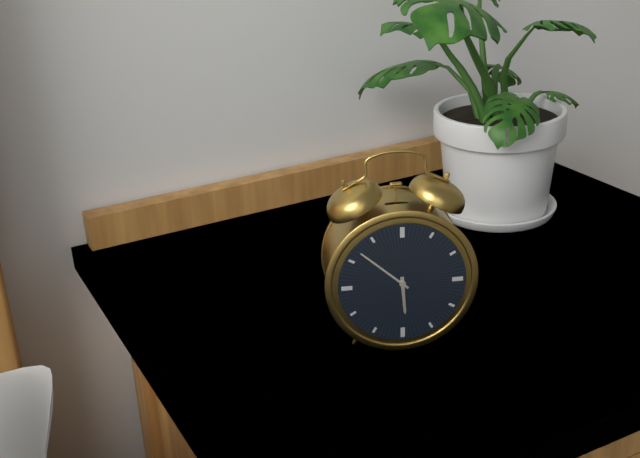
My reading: 5:52
